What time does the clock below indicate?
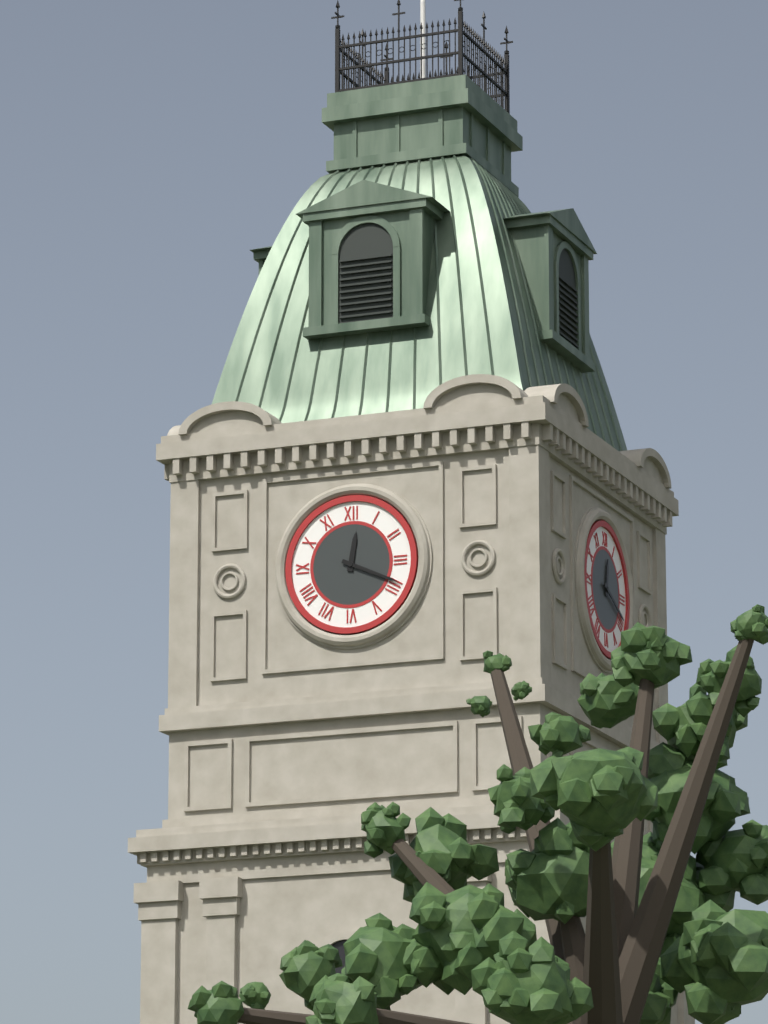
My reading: 12:19
